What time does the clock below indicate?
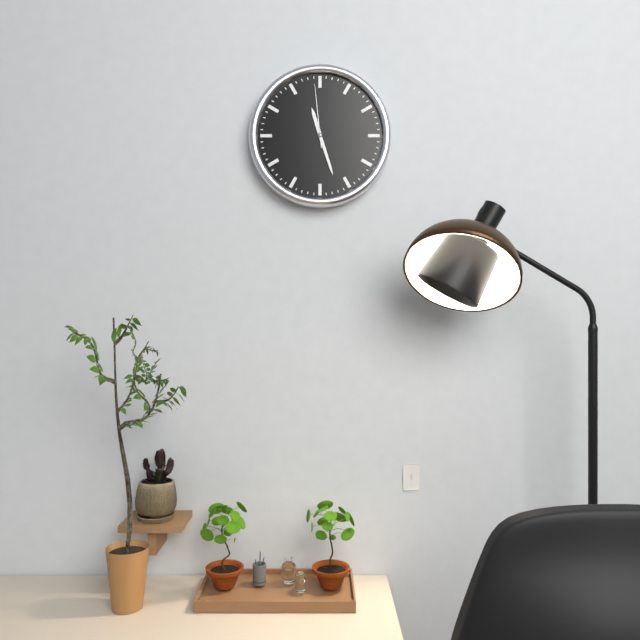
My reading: 11:27:59
